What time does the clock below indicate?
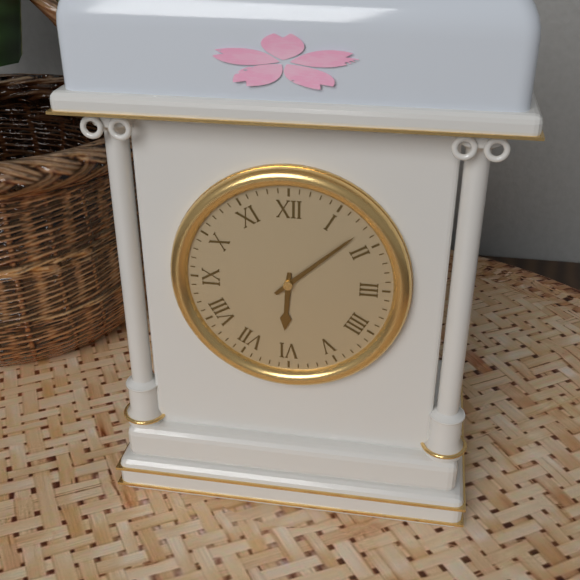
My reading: 6:08
